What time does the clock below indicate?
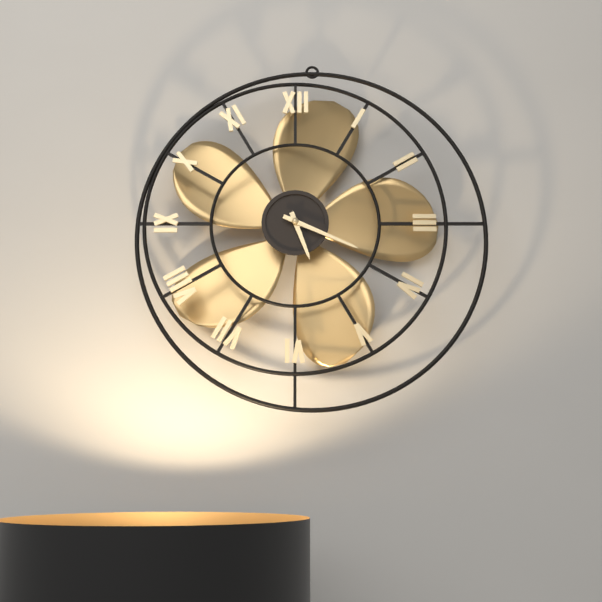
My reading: 5:19
